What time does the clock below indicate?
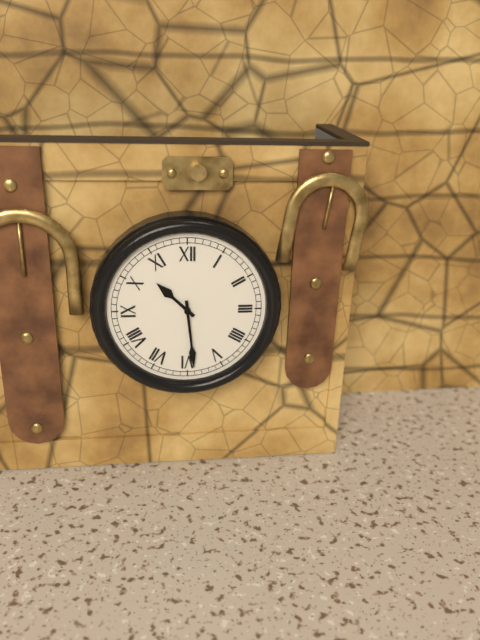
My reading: 10:29
